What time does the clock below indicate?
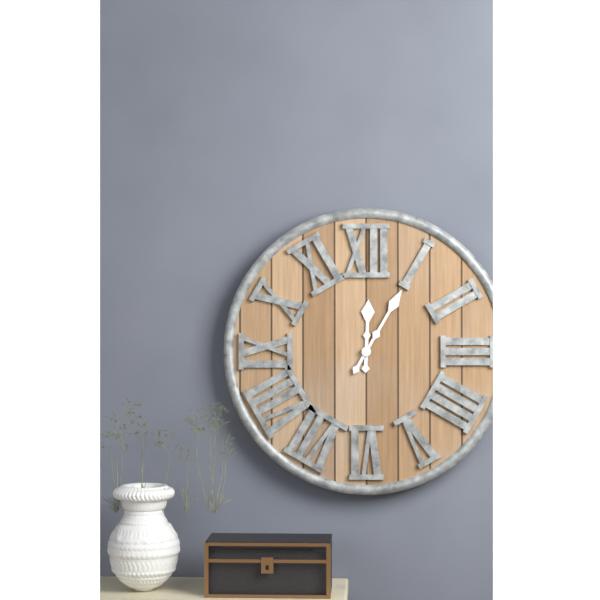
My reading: 12:05
